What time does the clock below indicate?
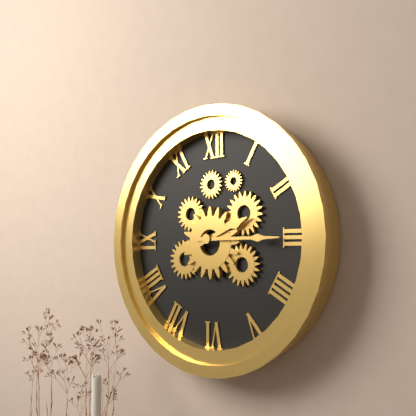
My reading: 2:15
